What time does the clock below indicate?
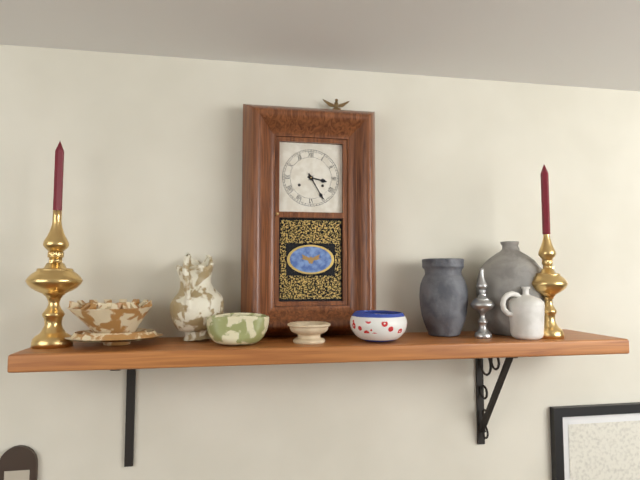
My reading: 3:25
